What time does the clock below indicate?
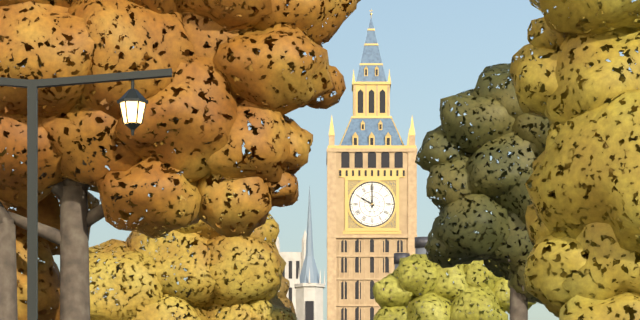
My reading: 10:00
